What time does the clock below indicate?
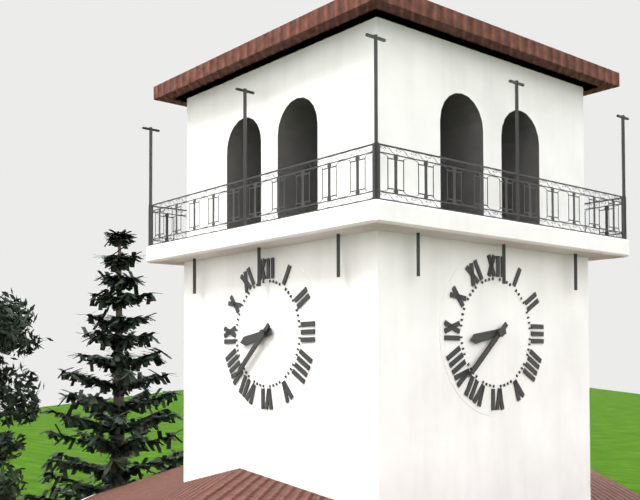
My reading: 8:38
